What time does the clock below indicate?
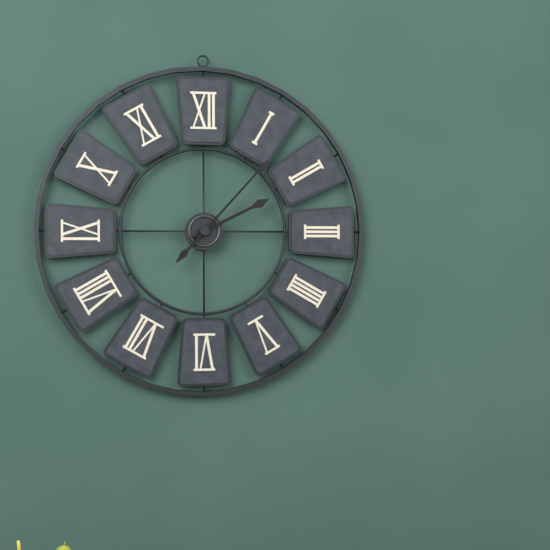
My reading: 2:07
